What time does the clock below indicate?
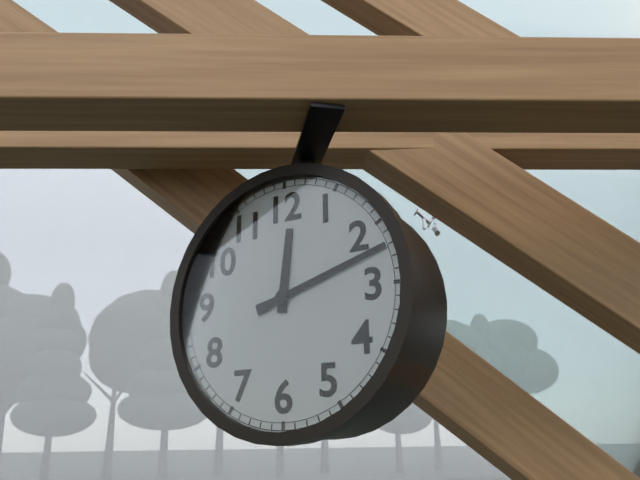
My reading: 12:12
